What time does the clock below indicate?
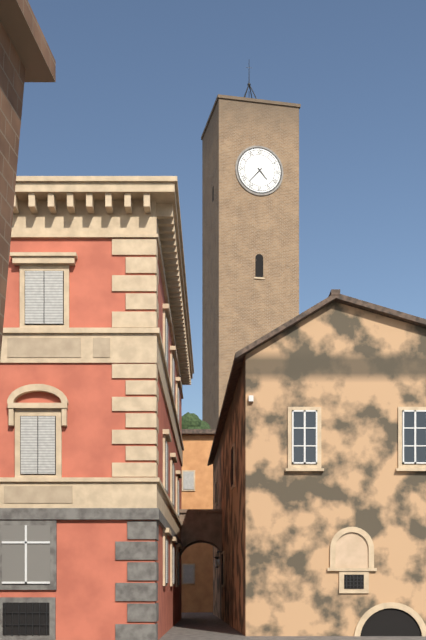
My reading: 4:37
